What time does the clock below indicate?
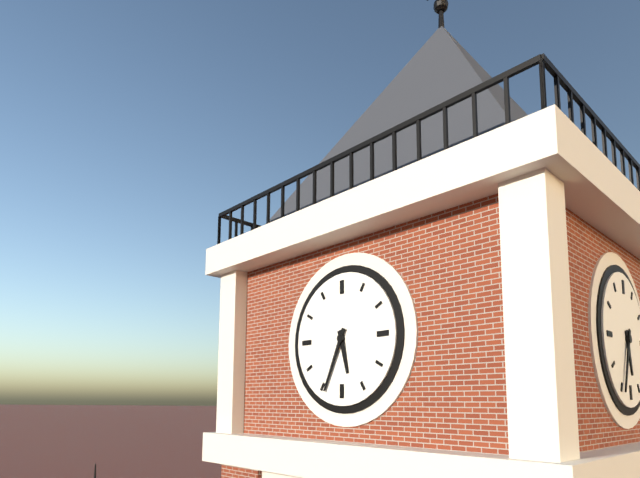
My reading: 5:34
